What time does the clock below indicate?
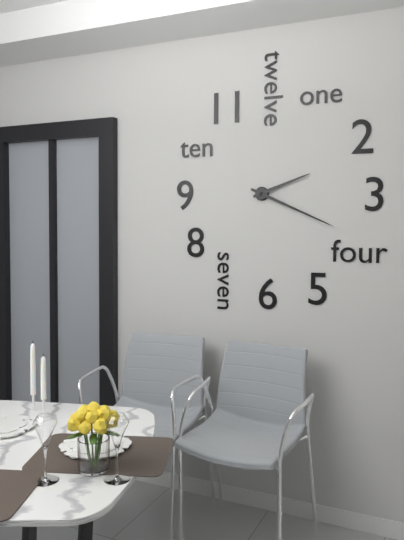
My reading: 2:19
